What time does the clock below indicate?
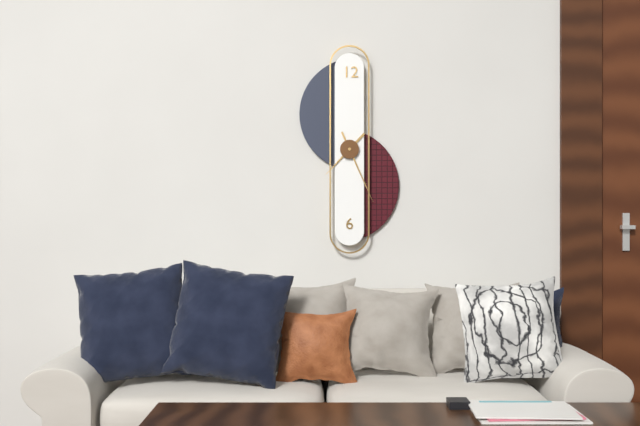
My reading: 7:26
